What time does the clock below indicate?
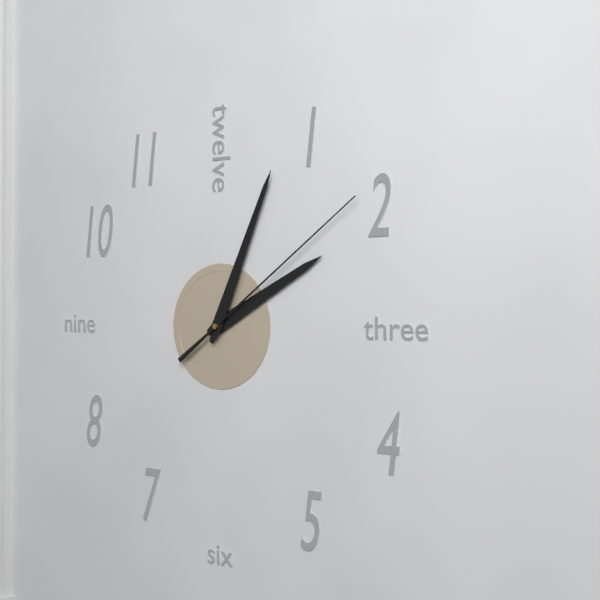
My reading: 2:04:09
